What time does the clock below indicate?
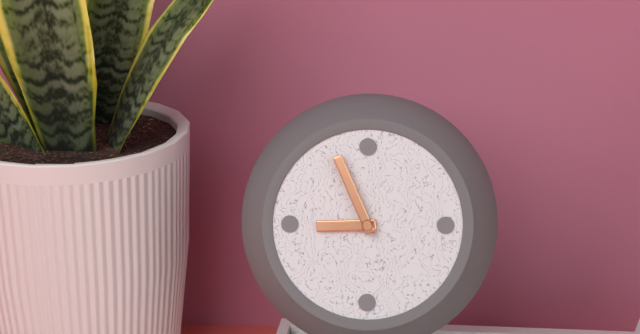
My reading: 8:56
